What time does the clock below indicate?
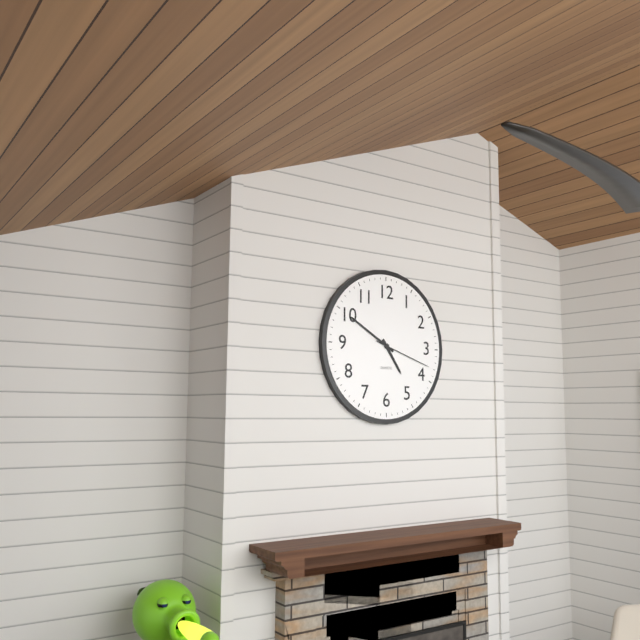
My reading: 4:50:18
